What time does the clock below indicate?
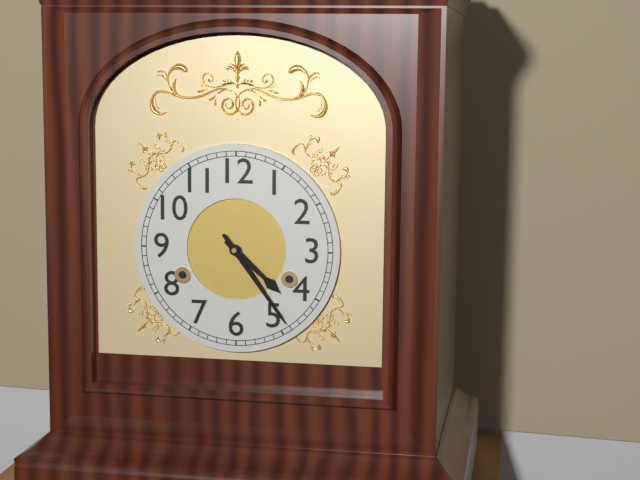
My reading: 4:24
